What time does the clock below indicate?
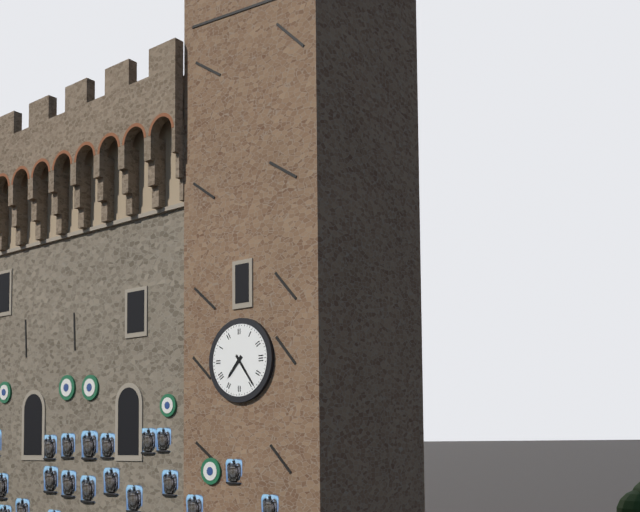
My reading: 7:24
